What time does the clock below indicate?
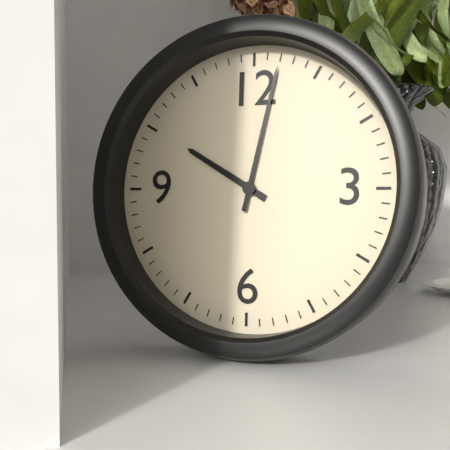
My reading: 10:02
